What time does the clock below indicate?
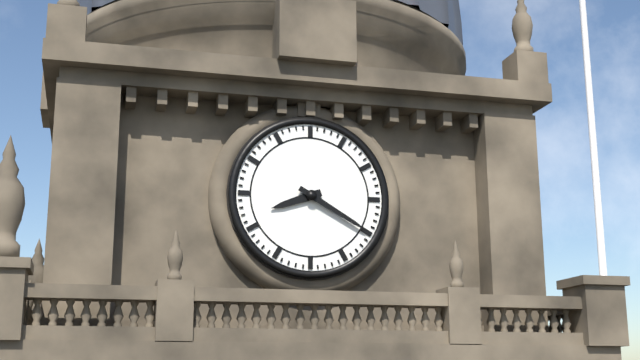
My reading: 8:20
